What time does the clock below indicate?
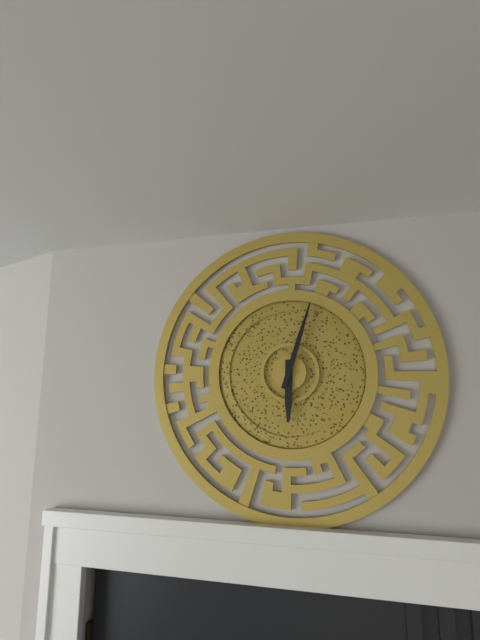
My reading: 6:03
